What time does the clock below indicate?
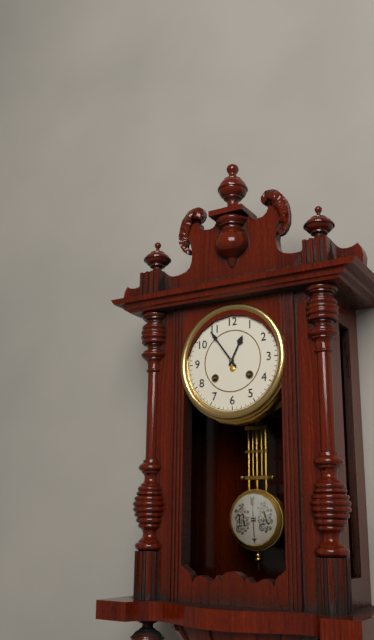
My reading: 12:54
